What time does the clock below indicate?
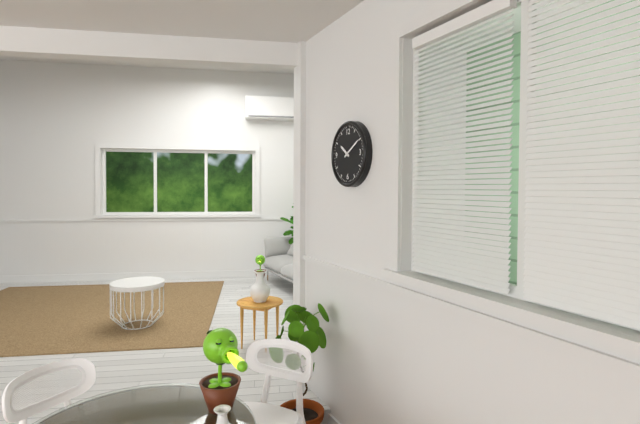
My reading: 10:10
